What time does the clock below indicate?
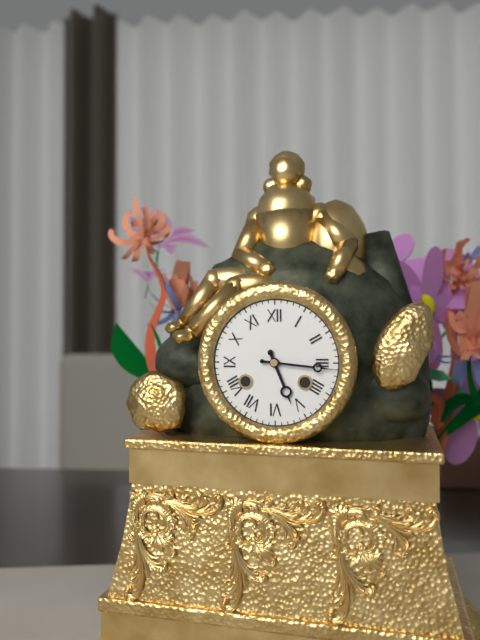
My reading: 5:16
